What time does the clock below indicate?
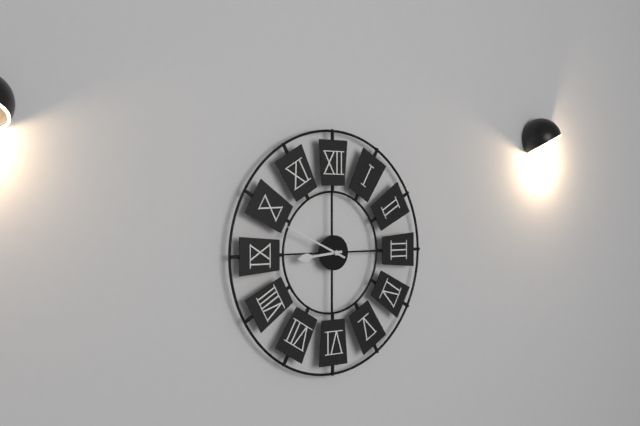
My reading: 8:49
